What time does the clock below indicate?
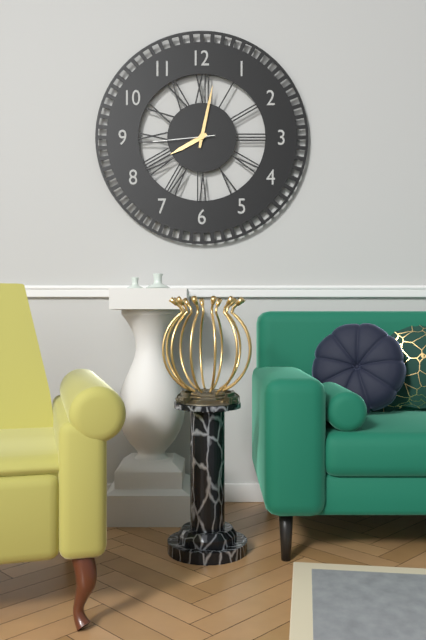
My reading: 8:02:44
